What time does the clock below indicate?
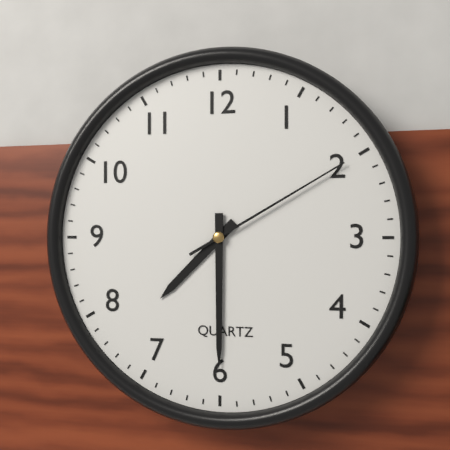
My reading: 7:30:10
